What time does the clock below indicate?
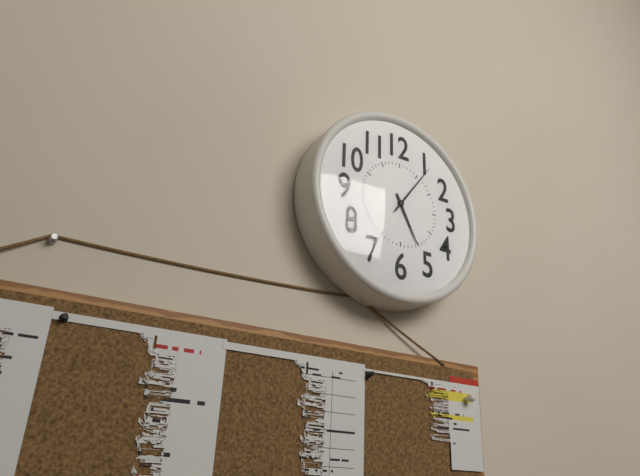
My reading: 5:06
